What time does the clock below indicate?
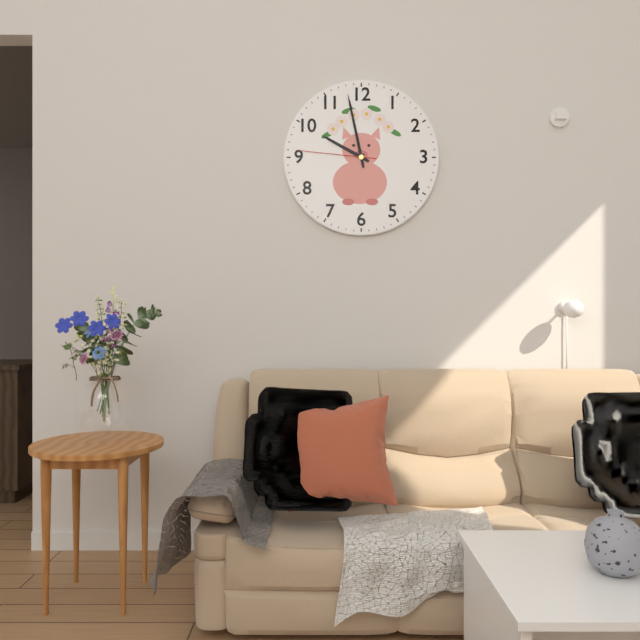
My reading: 9:58:46
